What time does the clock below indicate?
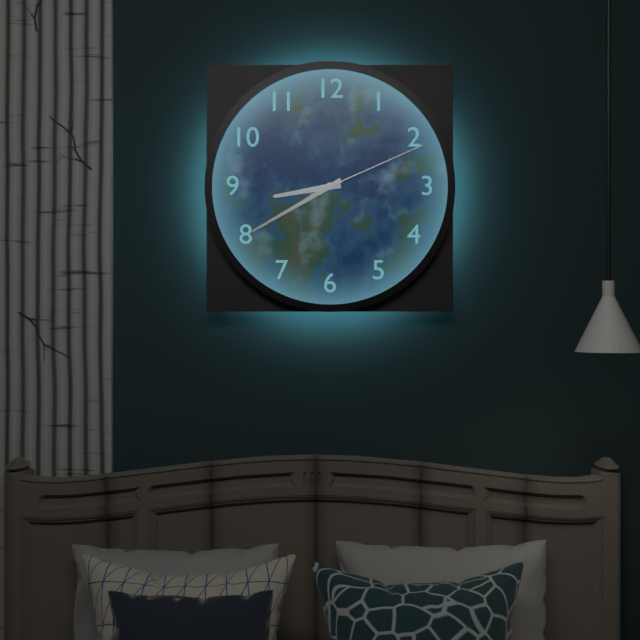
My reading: 8:40:11
